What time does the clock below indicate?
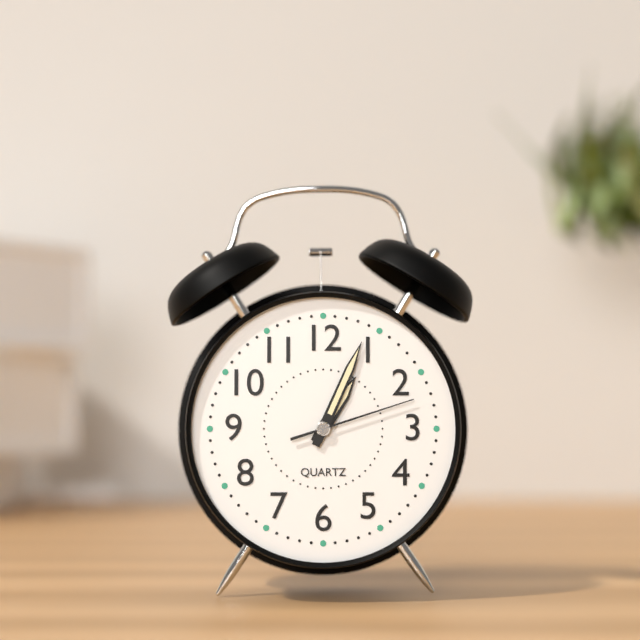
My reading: 1:04:12
